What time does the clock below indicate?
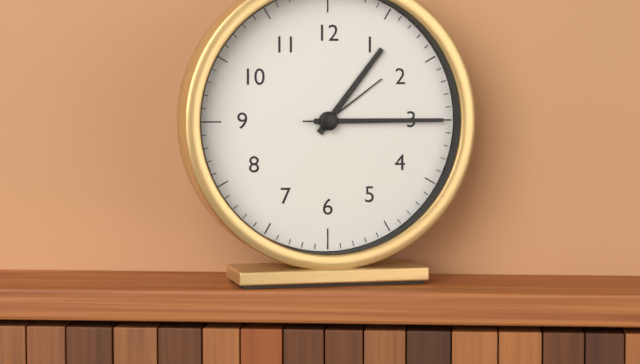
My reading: 1:15:15
